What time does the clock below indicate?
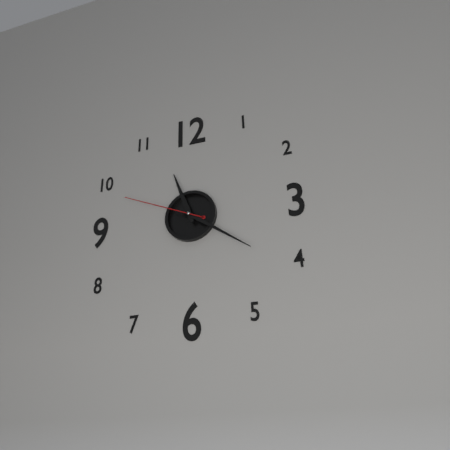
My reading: 11:21:49
